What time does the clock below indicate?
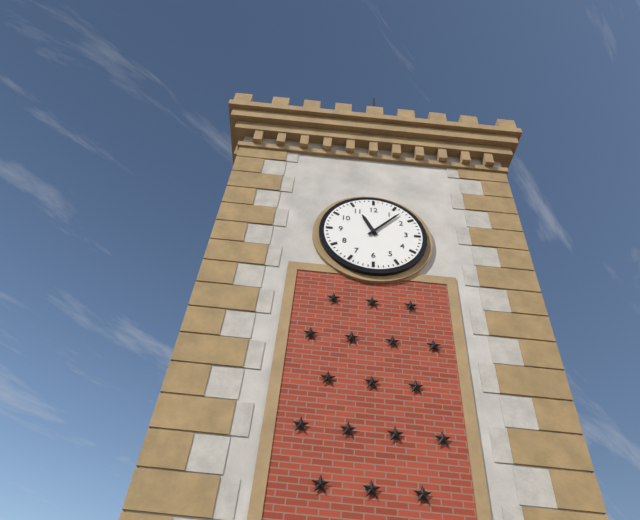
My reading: 11:07
